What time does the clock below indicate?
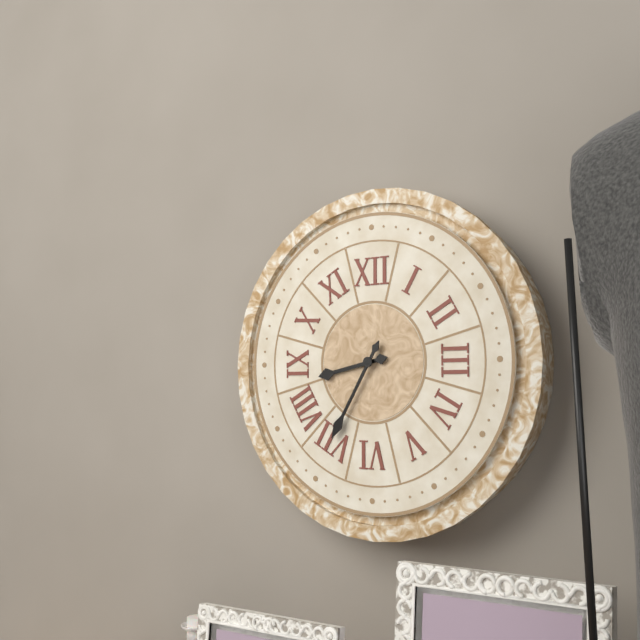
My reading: 8:35
